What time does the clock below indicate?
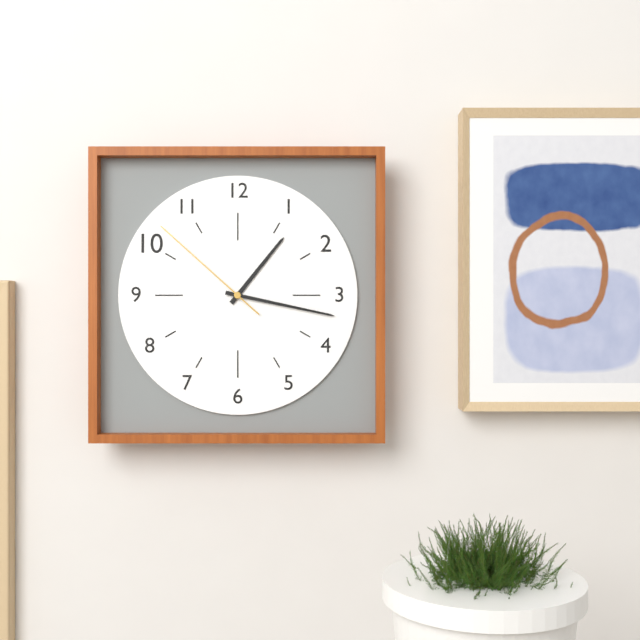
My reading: 1:17:52
